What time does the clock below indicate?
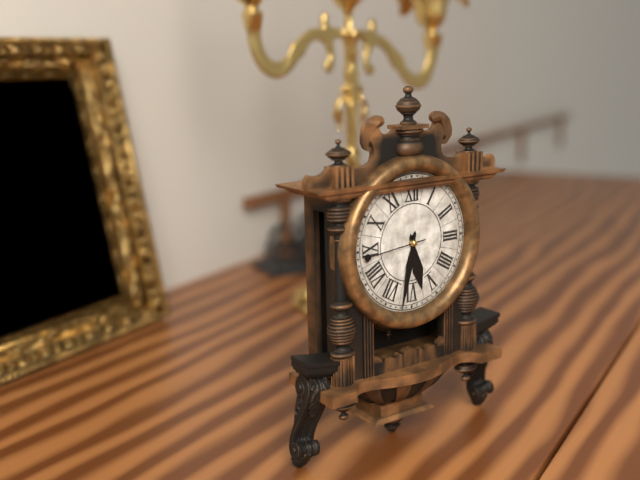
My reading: 5:32:44
